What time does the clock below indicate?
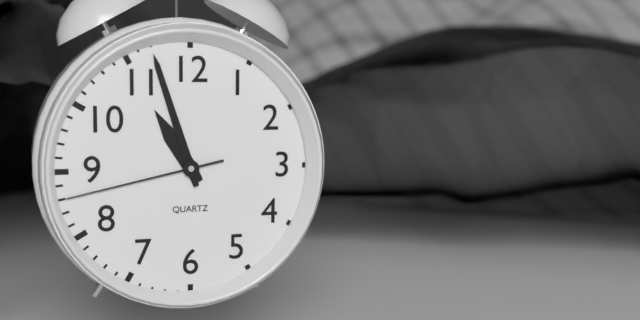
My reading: 10:57:43
